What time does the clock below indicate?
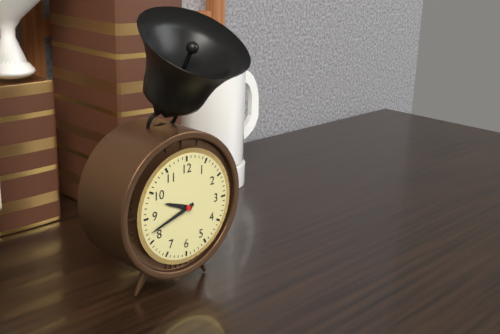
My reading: 9:42
